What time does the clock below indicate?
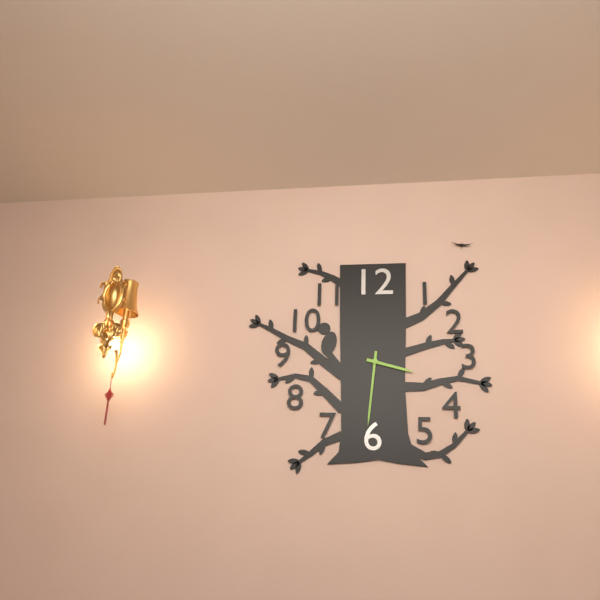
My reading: 3:31
